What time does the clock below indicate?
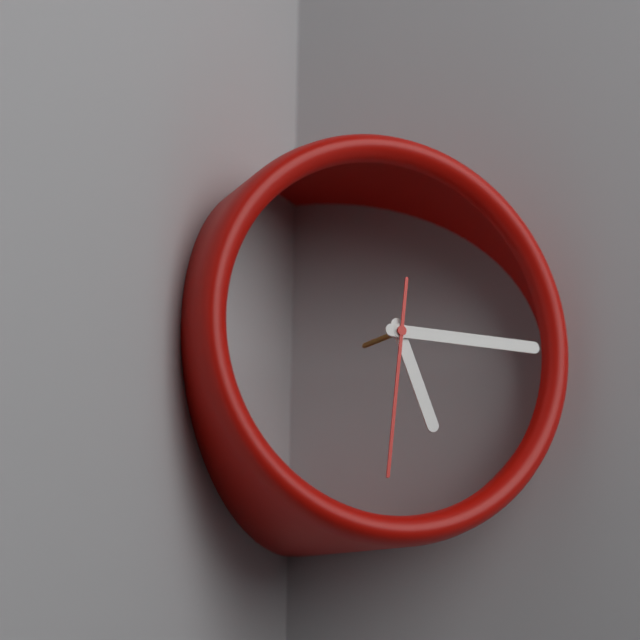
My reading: 5:15:31
